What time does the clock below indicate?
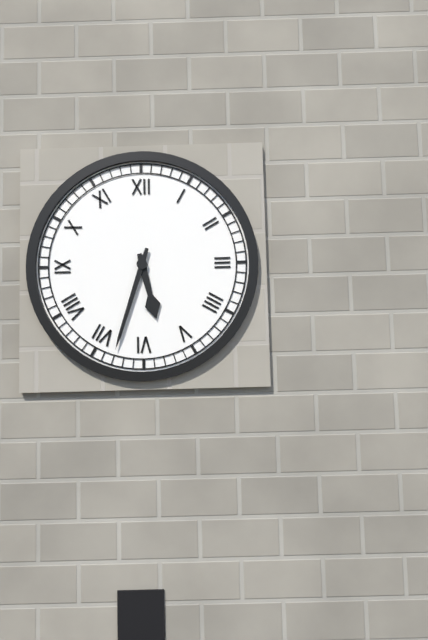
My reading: 5:33
